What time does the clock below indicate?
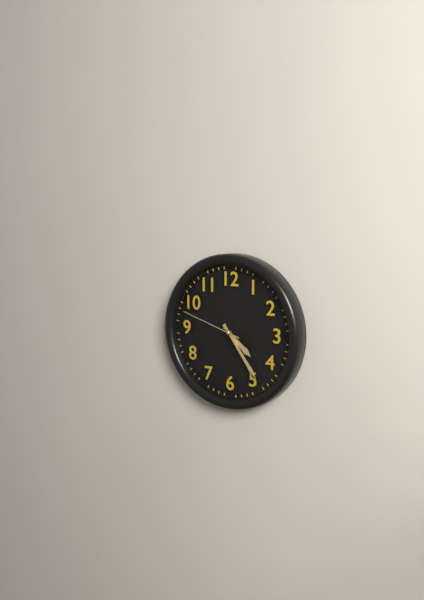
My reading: 4:24:48
